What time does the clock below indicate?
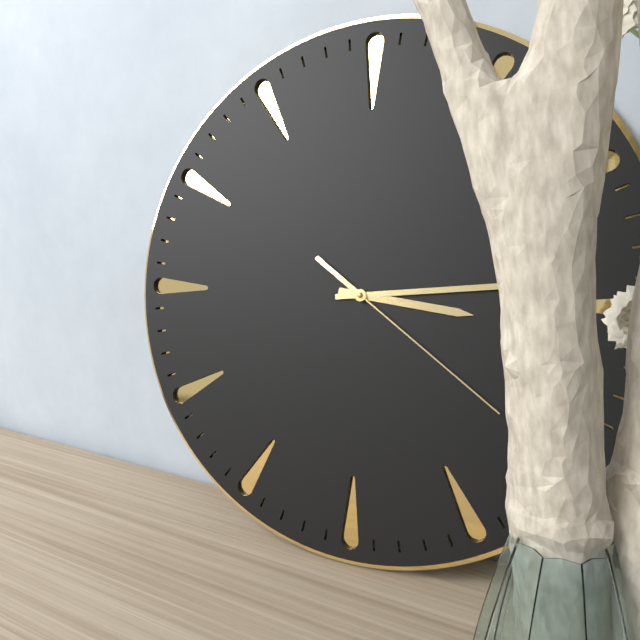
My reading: 3:14:21
